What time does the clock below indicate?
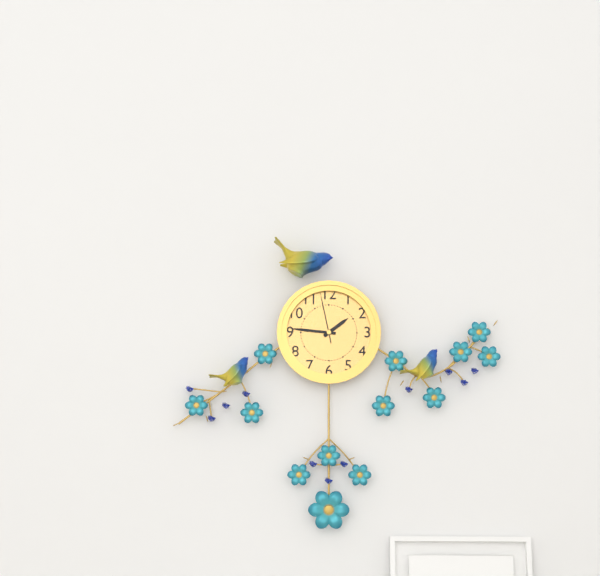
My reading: 1:46:58
